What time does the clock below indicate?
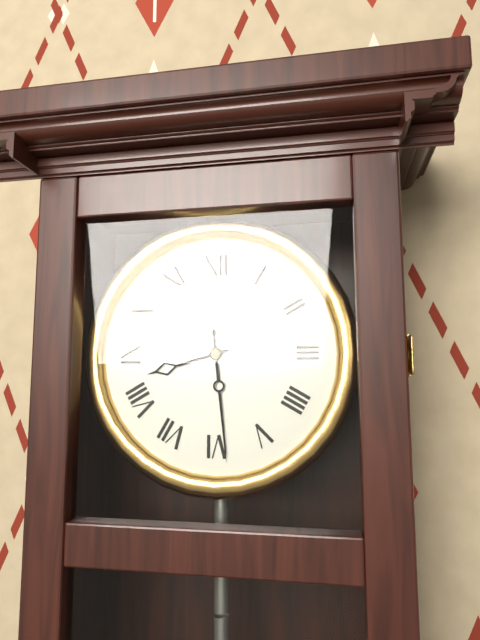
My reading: 8:29
